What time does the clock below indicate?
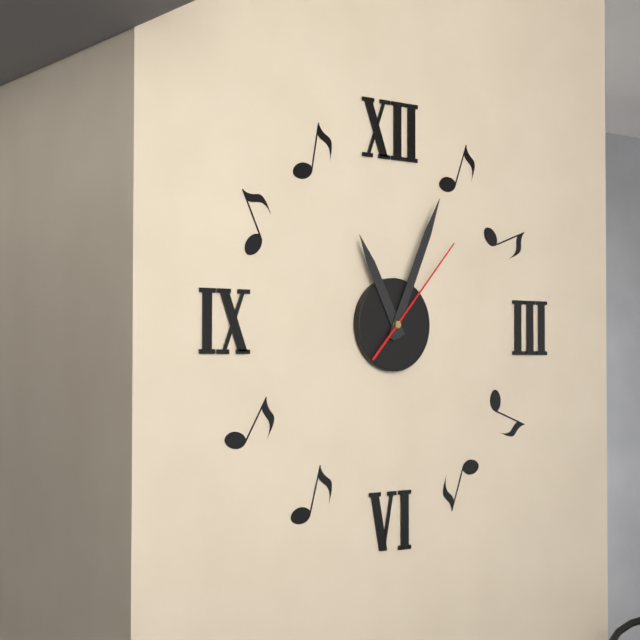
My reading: 11:04:07
